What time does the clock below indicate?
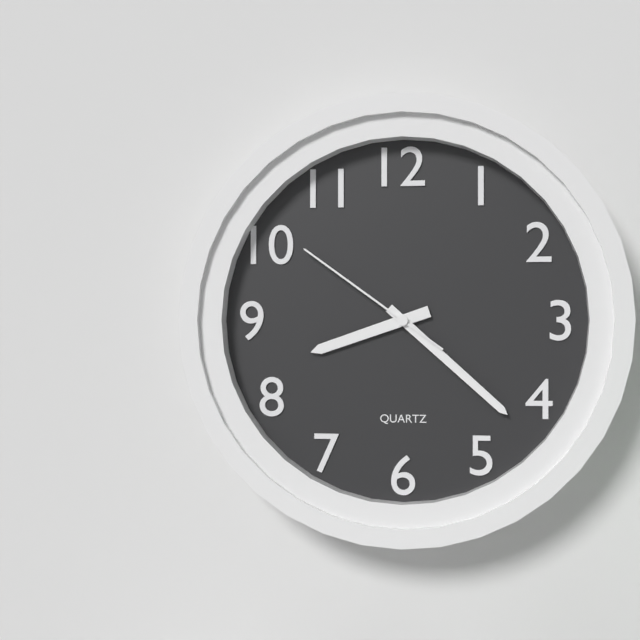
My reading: 8:22:51
